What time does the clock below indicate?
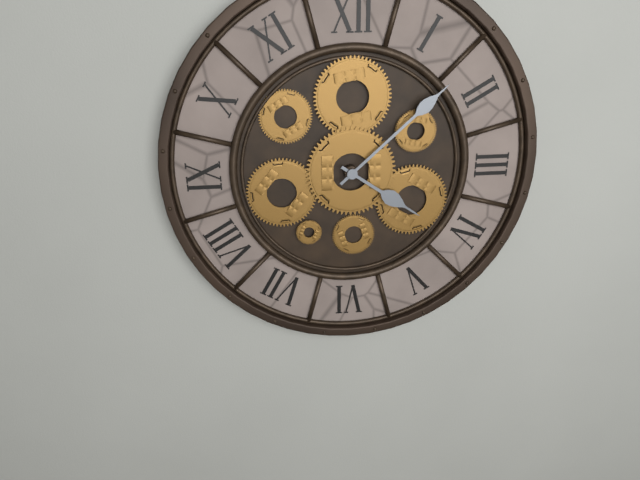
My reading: 4:08
